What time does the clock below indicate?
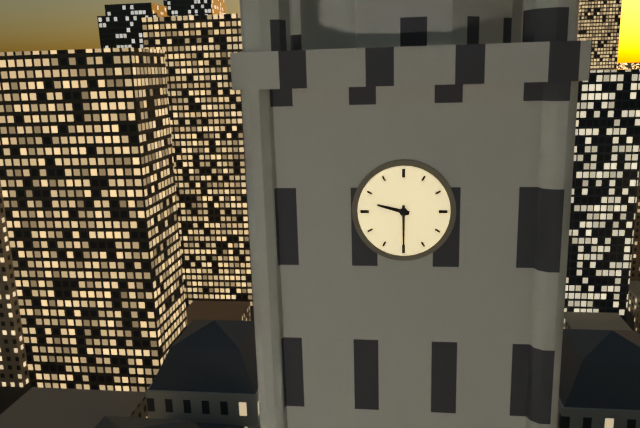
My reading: 9:30
